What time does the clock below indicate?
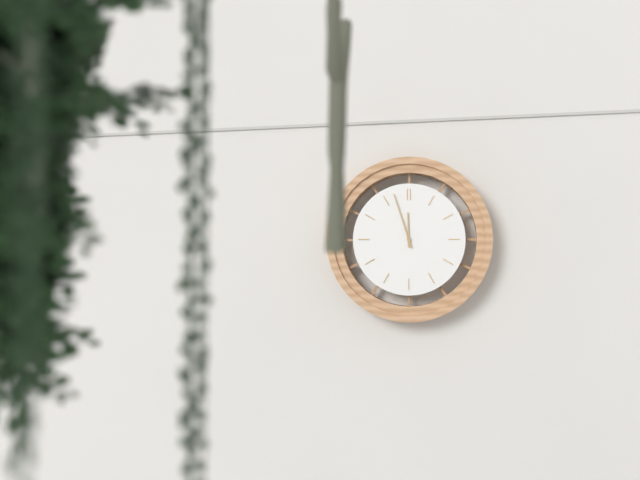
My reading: 11:57
